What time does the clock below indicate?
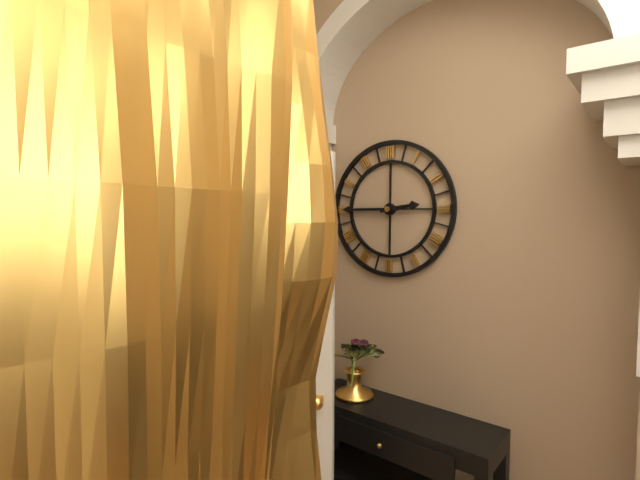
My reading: 2:45
